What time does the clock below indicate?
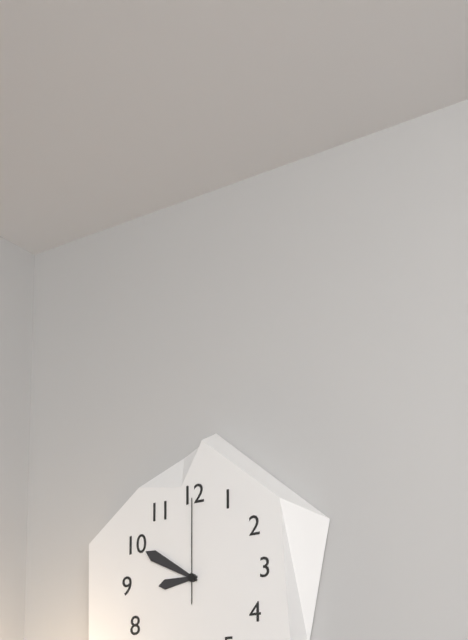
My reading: 8:50:00
